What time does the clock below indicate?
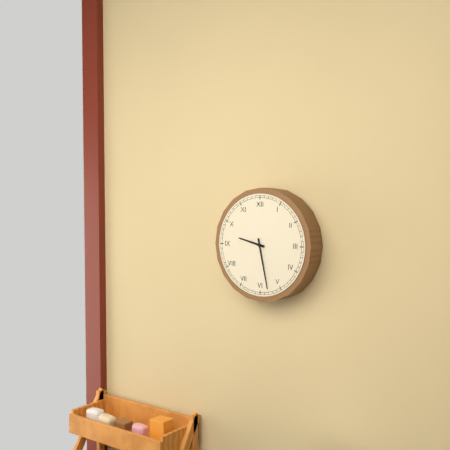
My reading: 9:28
